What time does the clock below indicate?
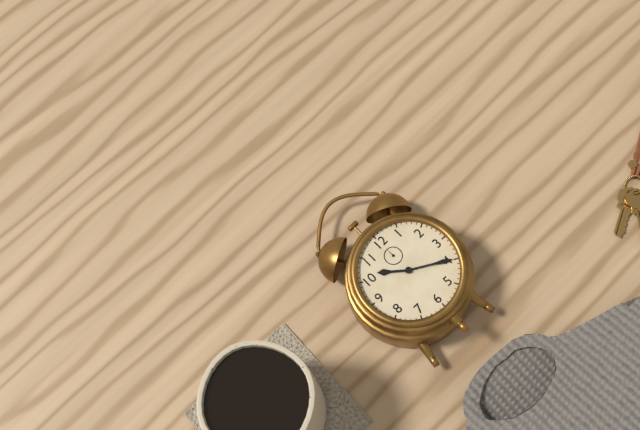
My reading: 10:20
